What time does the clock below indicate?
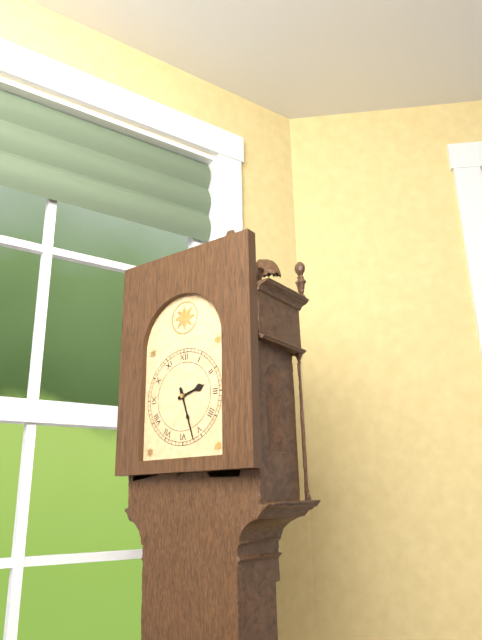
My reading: 2:27
